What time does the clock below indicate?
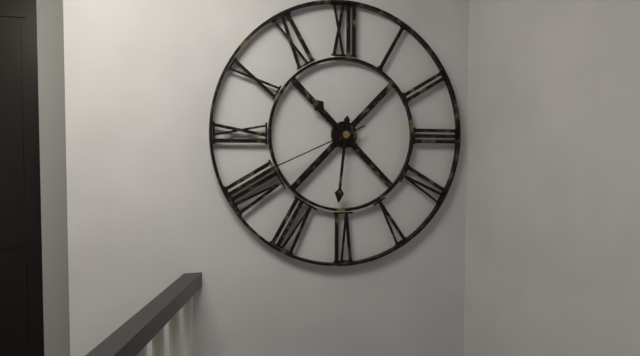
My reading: 10:31:41
